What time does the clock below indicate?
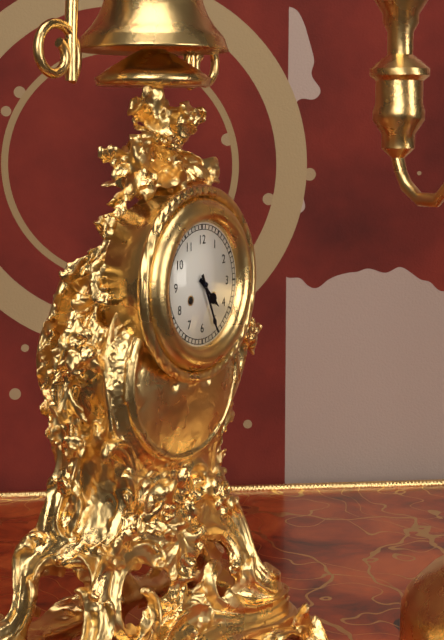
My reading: 4:26
